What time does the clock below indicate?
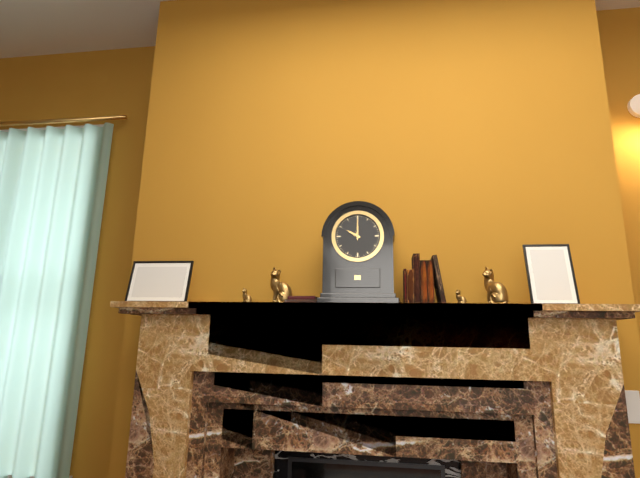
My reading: 10:00
